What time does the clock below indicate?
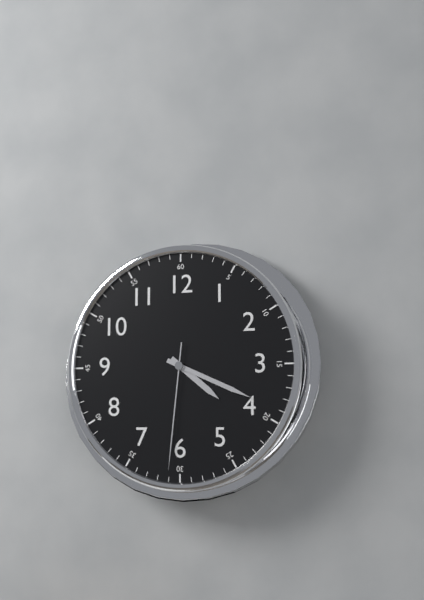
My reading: 4:19:31
